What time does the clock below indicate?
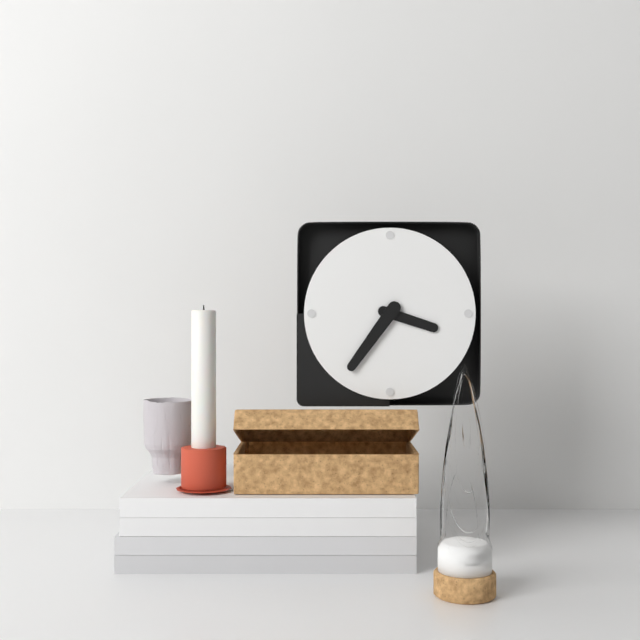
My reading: 3:36
